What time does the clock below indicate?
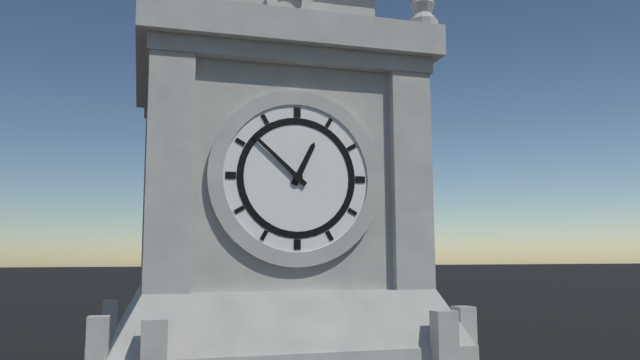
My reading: 12:52
